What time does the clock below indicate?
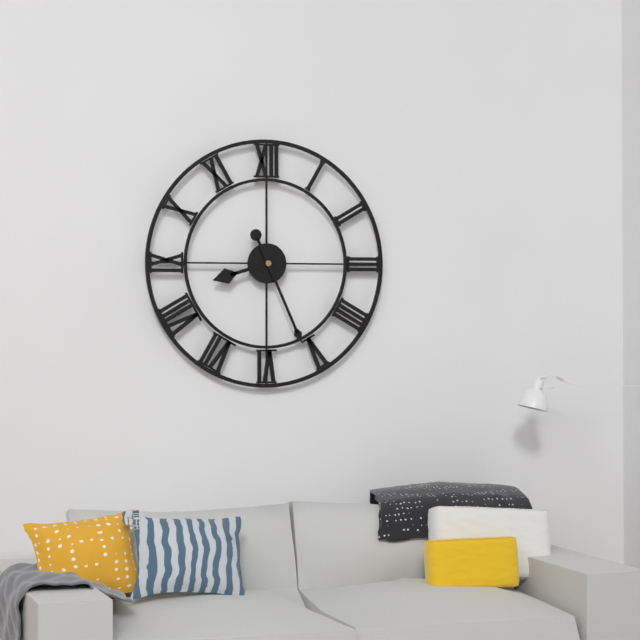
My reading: 8:26
